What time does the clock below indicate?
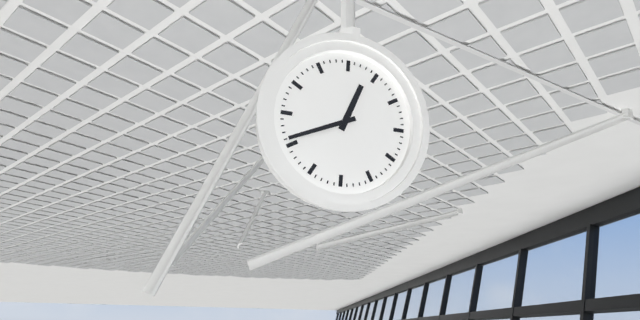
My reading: 12:41
